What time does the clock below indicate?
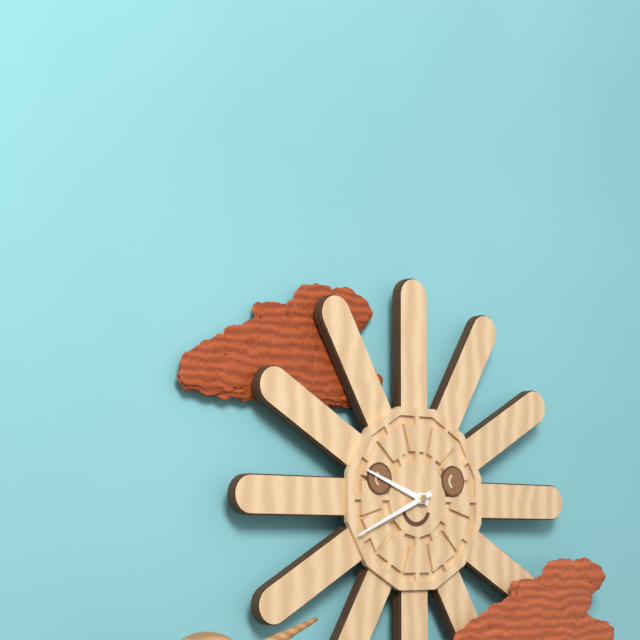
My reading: 9:41
